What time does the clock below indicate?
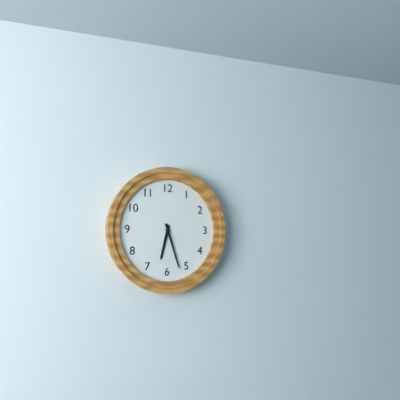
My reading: 6:27
